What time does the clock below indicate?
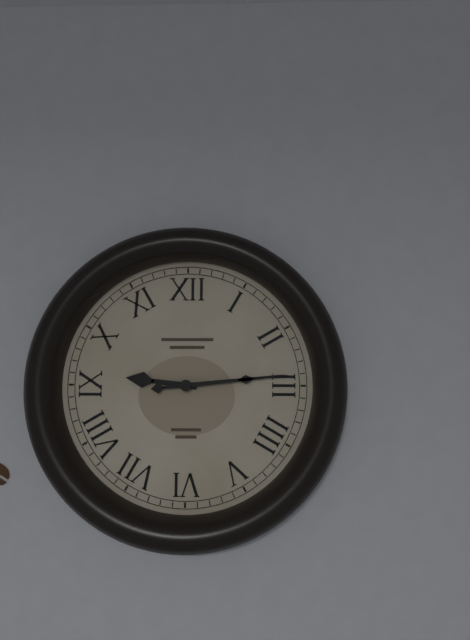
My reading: 9:14
